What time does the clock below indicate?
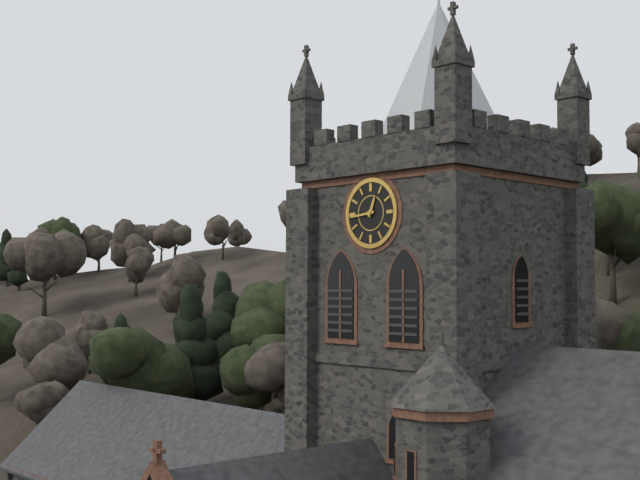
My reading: 12:44
